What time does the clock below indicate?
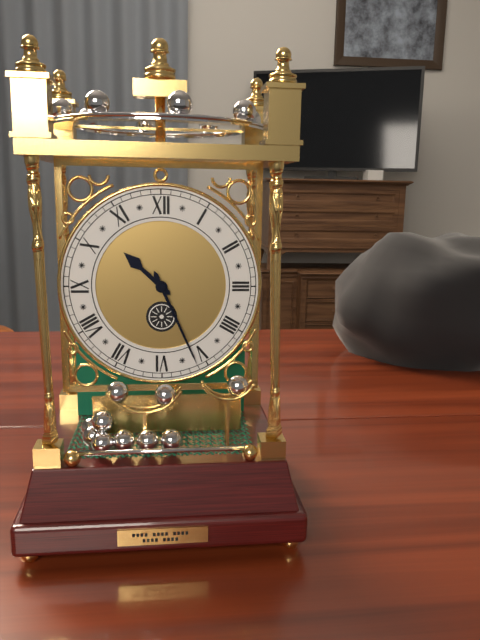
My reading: 10:26
